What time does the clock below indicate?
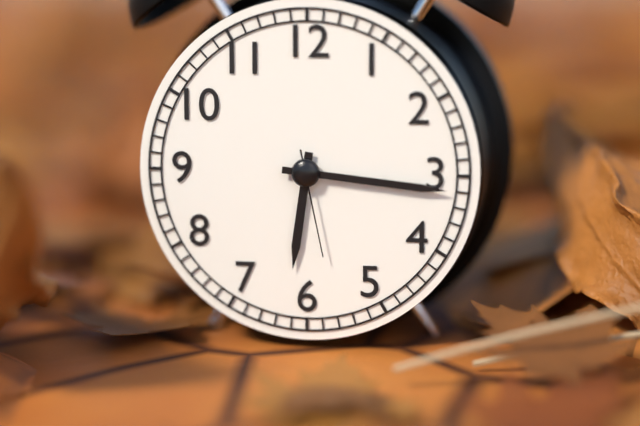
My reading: 6:16:28
